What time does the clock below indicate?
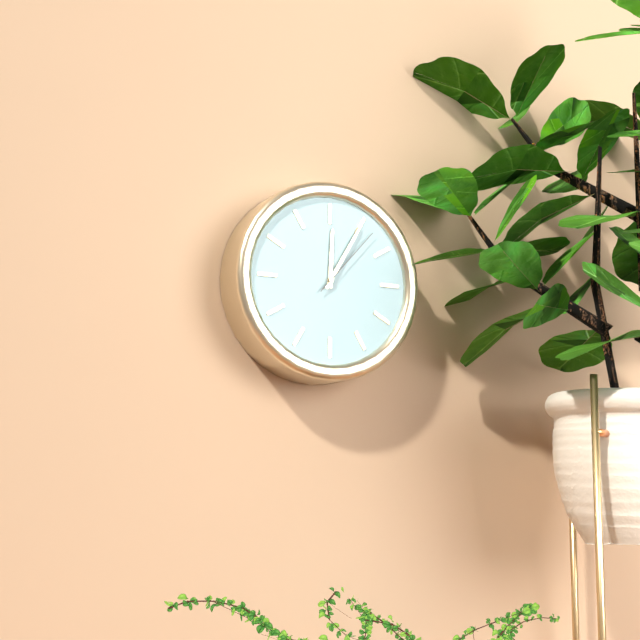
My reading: 12:05:07
